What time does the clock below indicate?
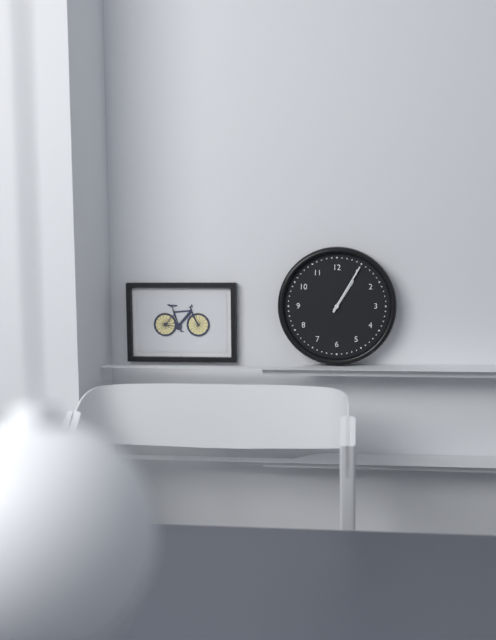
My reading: 1:05
